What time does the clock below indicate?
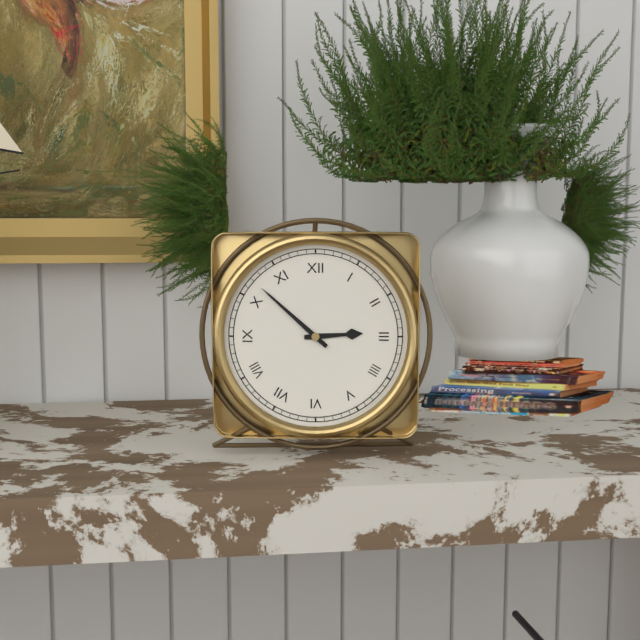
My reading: 2:52
